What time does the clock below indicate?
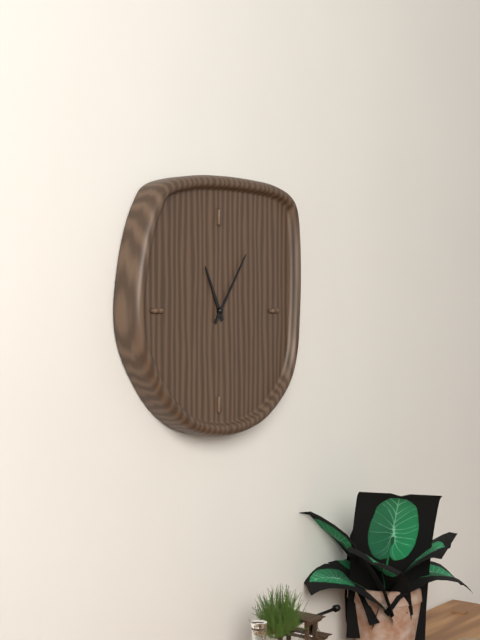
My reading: 11:06
